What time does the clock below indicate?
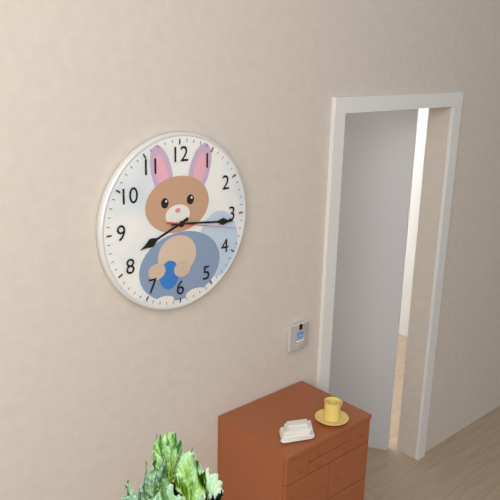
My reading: 8:16:17
